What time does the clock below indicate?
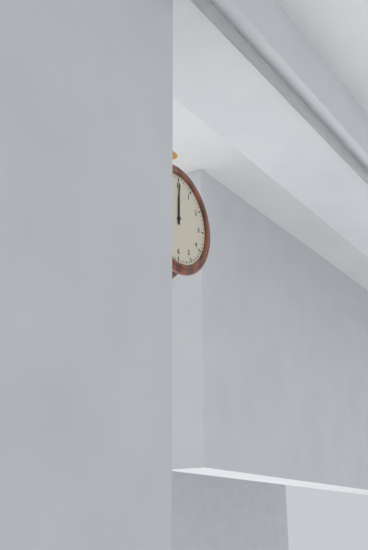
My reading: 12:00
